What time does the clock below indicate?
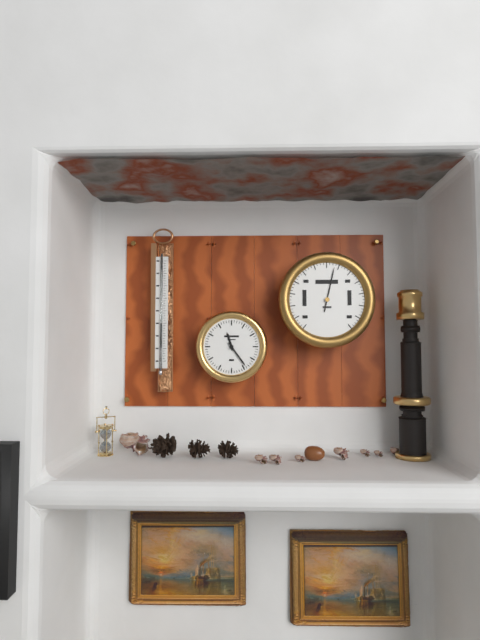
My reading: 11:24
